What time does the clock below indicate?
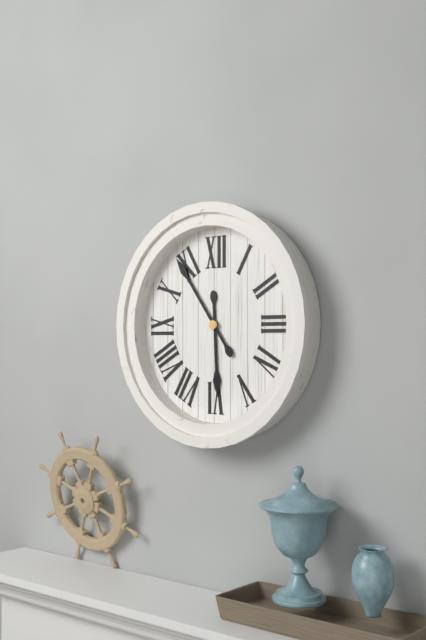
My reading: 5:54
